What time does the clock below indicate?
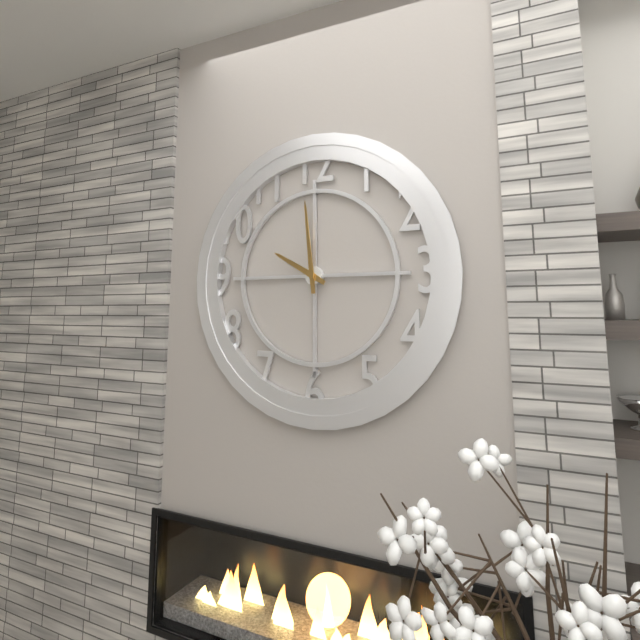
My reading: 9:59
